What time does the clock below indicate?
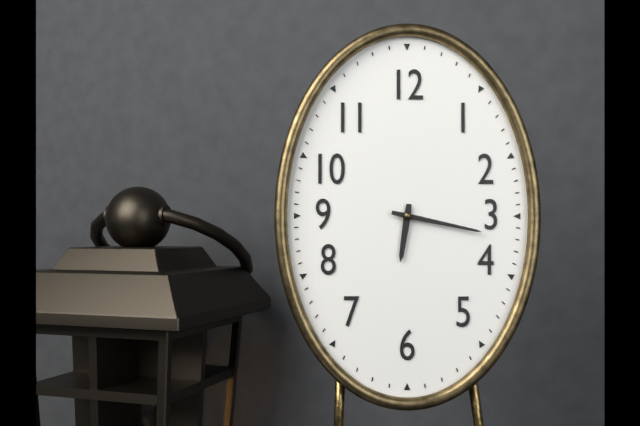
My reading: 6:17
